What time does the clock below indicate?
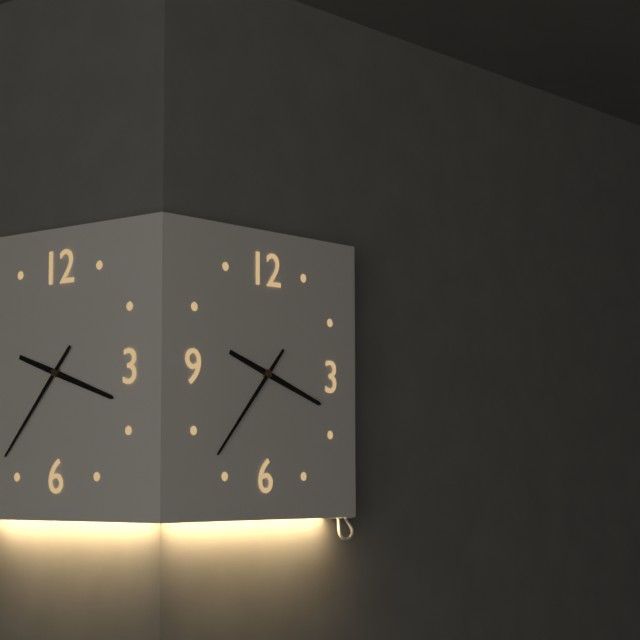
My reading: 3:37
